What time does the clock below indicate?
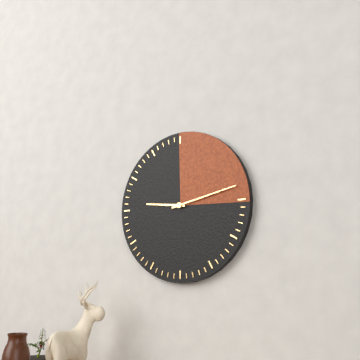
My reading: 9:13
